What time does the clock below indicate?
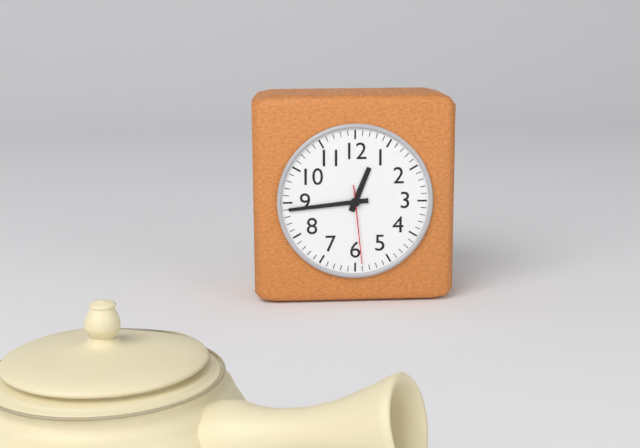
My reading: 12:44:29
